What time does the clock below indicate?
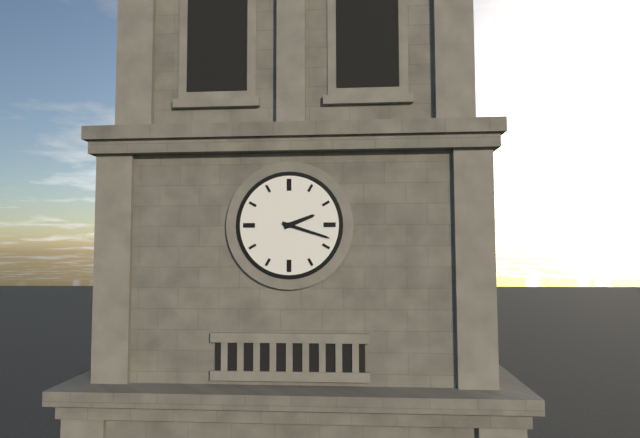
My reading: 2:18
